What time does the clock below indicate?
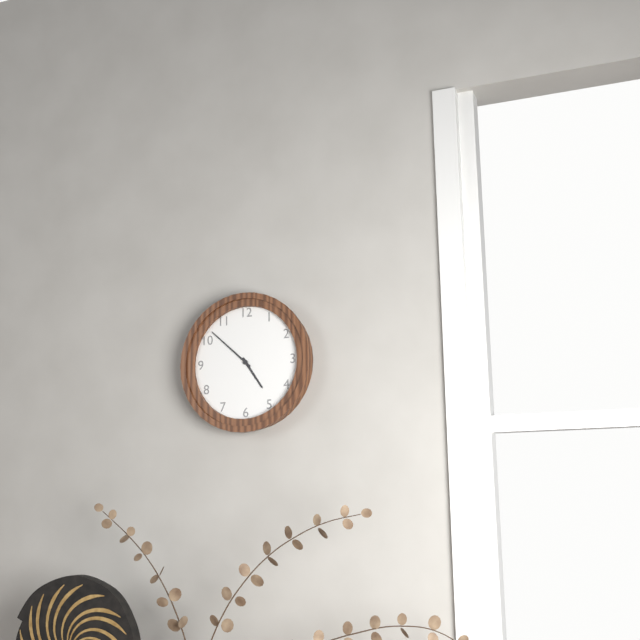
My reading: 4:52
